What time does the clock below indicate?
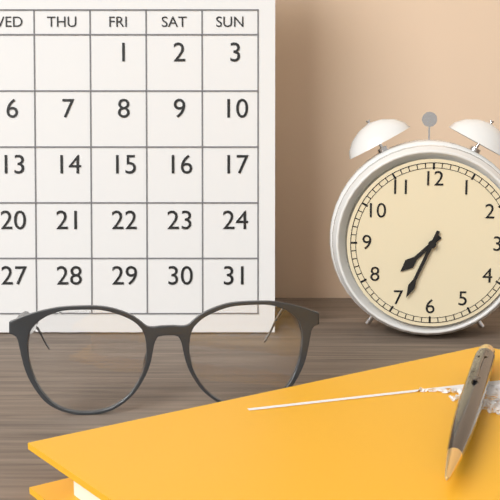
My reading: 7:34
